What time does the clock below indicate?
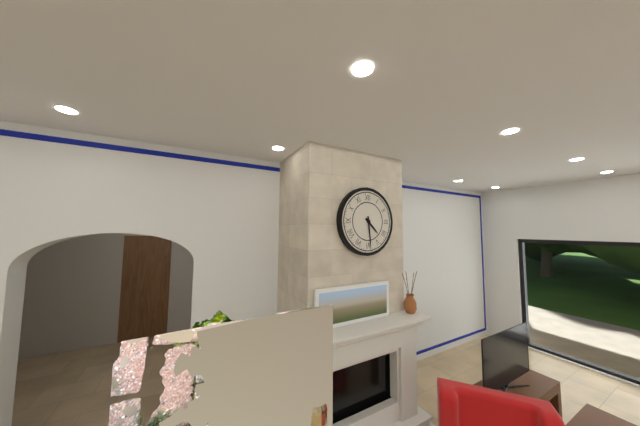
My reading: 4:29
